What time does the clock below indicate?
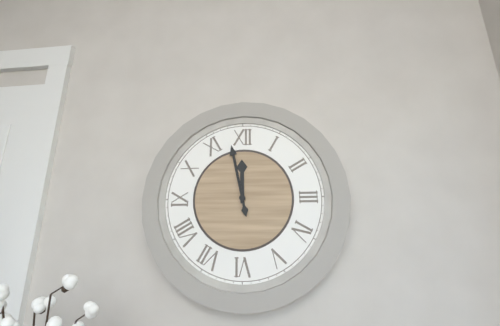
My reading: 11:58
